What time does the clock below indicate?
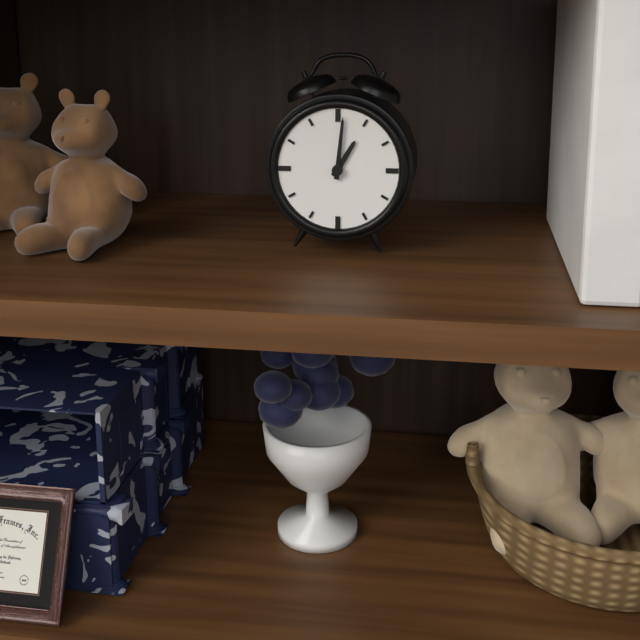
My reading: 1:01
